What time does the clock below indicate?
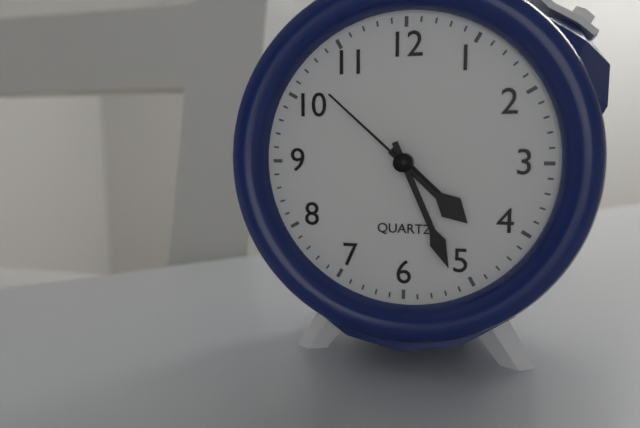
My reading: 4:26:52
